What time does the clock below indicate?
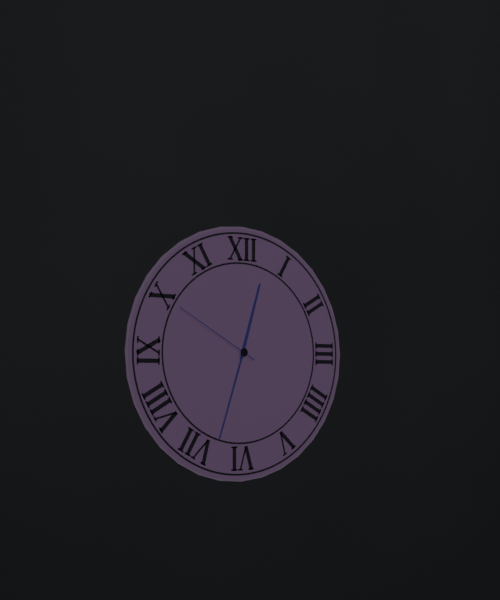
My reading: 12:33:50
